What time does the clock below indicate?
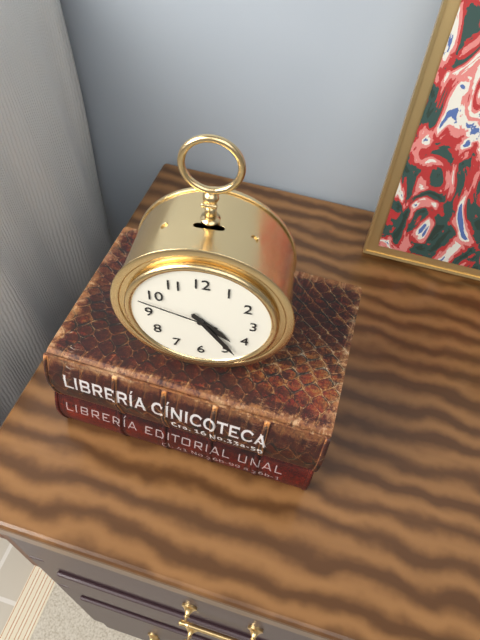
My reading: 4:24:48
